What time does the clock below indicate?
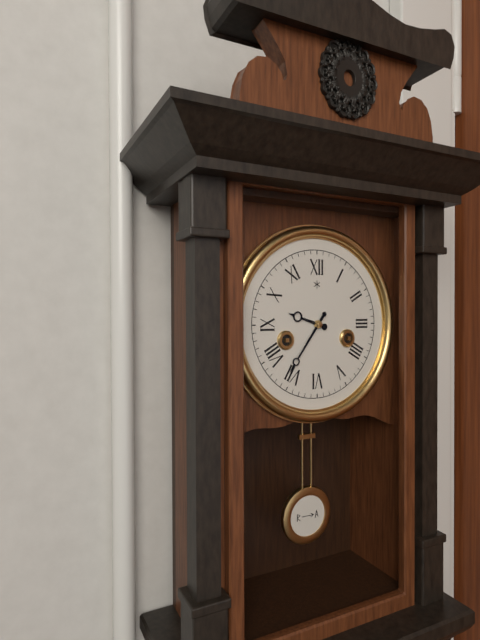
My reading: 9:36
